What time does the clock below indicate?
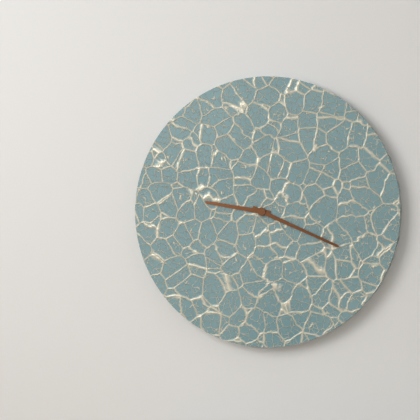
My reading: 9:19
